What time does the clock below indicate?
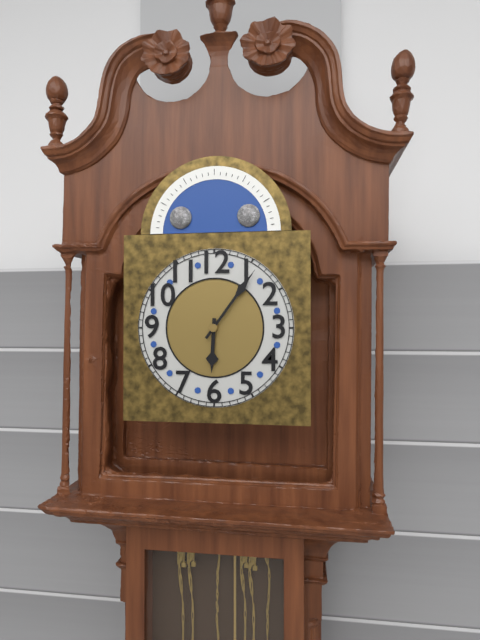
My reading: 6:06
